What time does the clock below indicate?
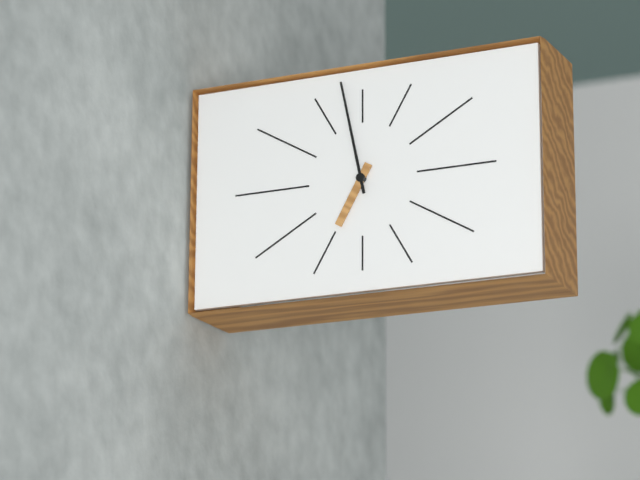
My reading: 6:58
